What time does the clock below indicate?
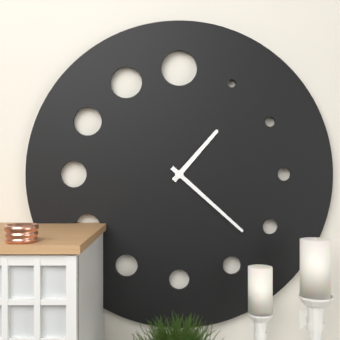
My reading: 1:22
